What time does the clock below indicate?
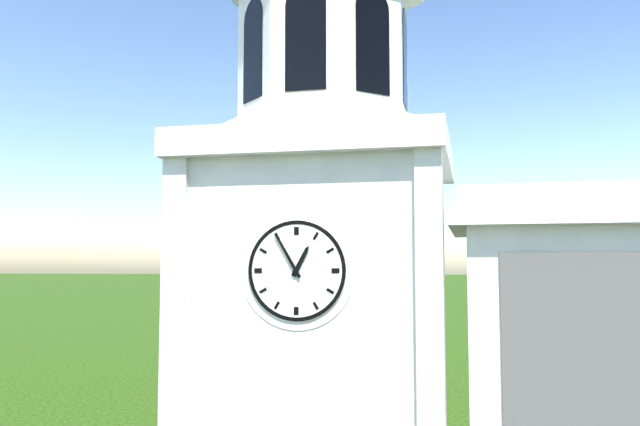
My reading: 12:55
